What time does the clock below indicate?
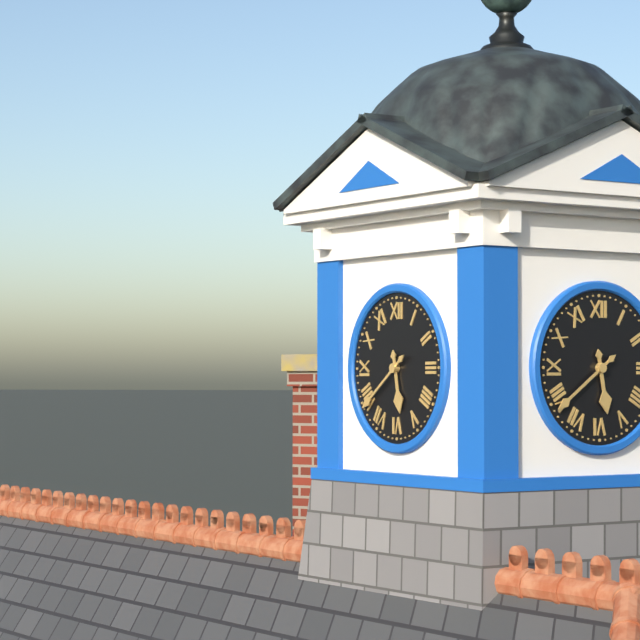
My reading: 5:39
